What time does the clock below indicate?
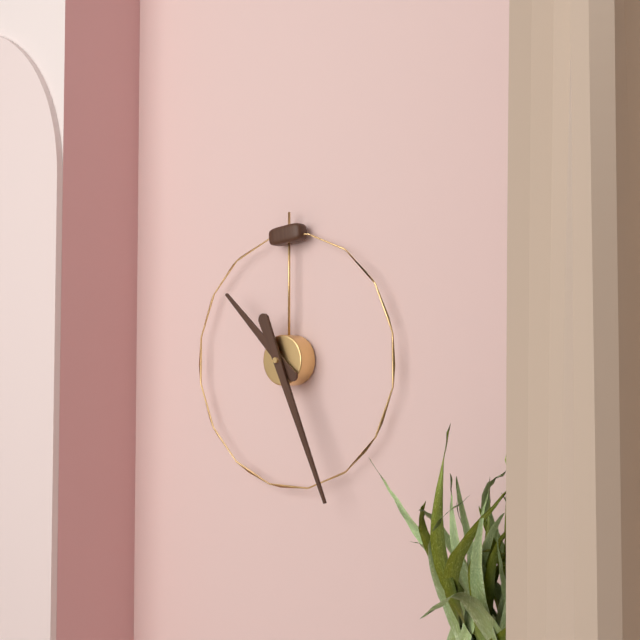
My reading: 10:26
